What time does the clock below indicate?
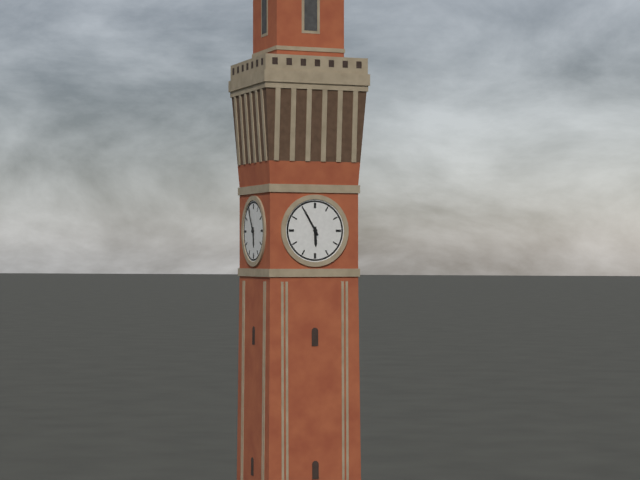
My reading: 5:55
